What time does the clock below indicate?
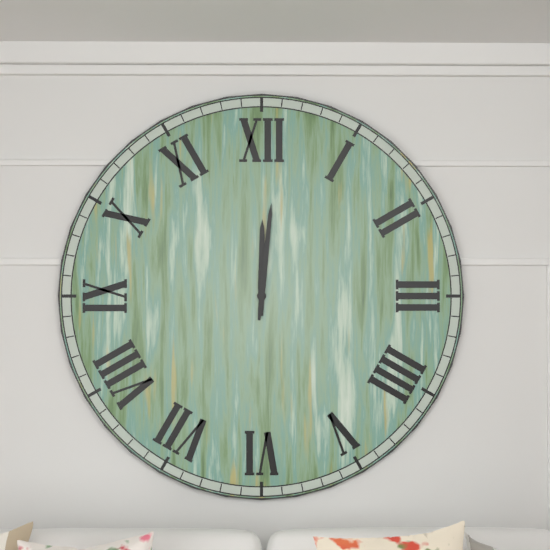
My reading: 12:01
